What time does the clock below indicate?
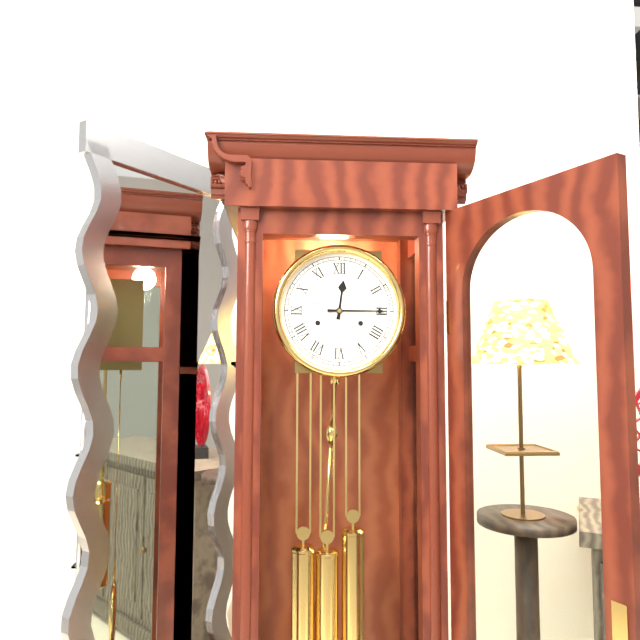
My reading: 12:15
